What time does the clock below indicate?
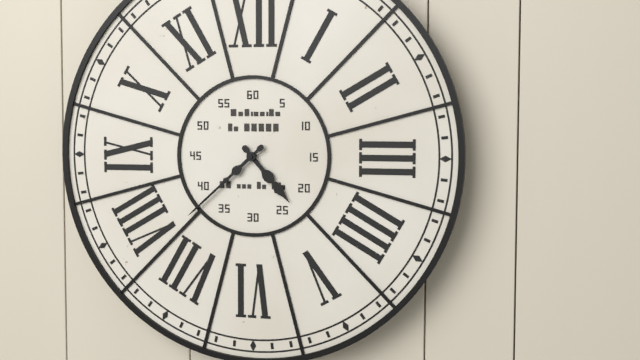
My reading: 4:38
